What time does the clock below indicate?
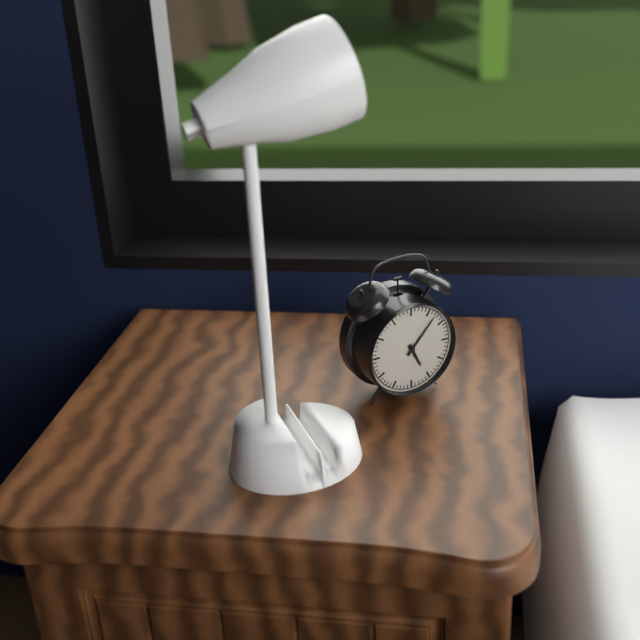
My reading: 5:07
